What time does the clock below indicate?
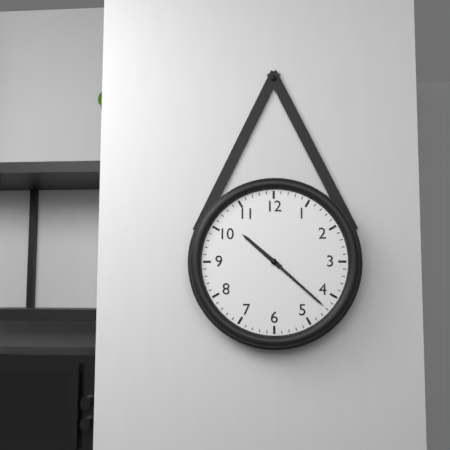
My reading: 10:22
